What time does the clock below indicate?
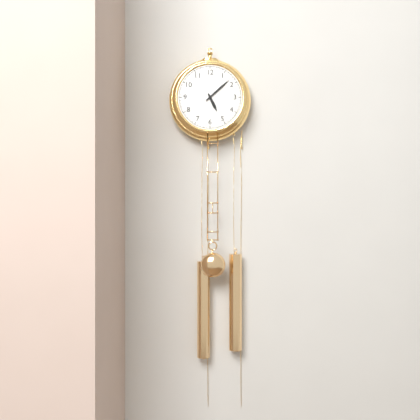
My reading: 5:08
